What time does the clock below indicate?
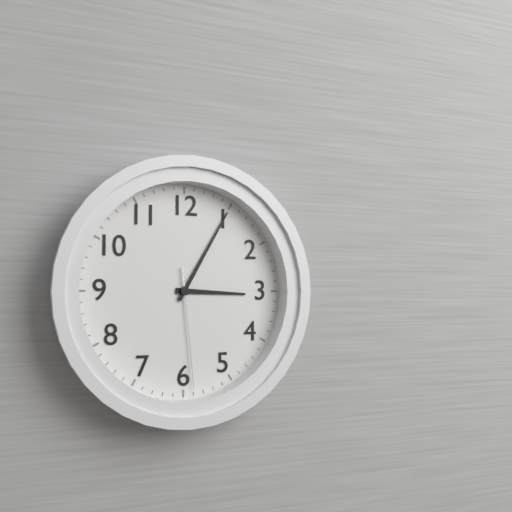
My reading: 3:05:29
